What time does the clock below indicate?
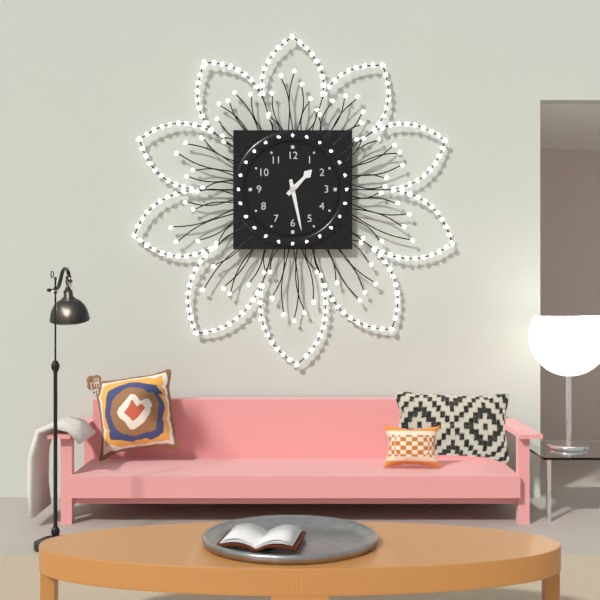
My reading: 1:28
